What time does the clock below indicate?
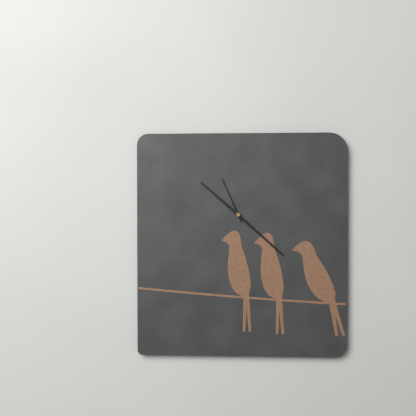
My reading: 10:22
